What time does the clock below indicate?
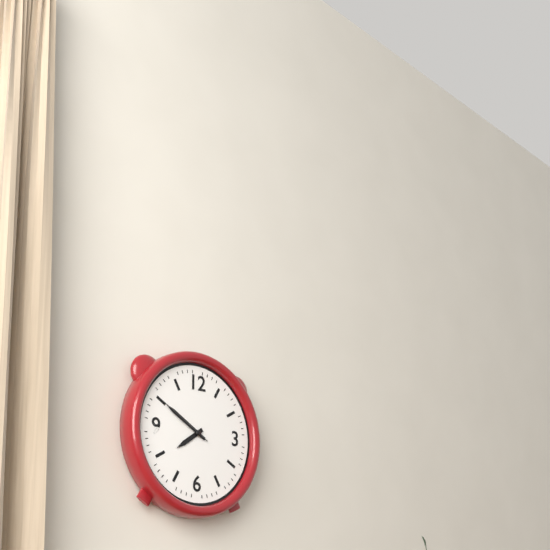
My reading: 7:50:50
